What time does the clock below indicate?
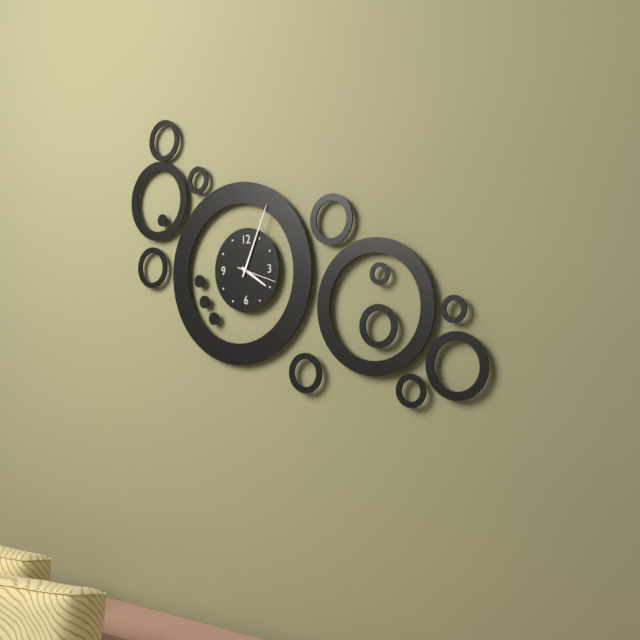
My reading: 4:04
